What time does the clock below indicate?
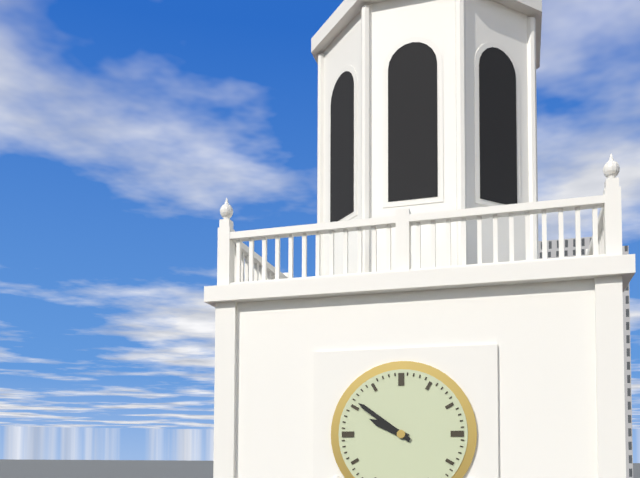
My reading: 9:51
